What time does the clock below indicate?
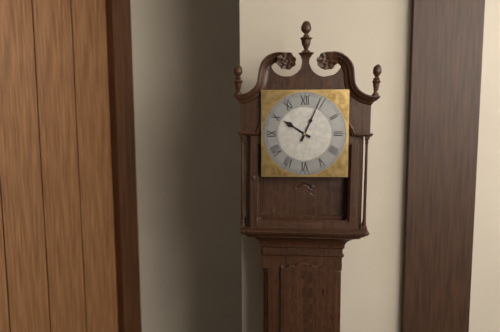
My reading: 10:04
